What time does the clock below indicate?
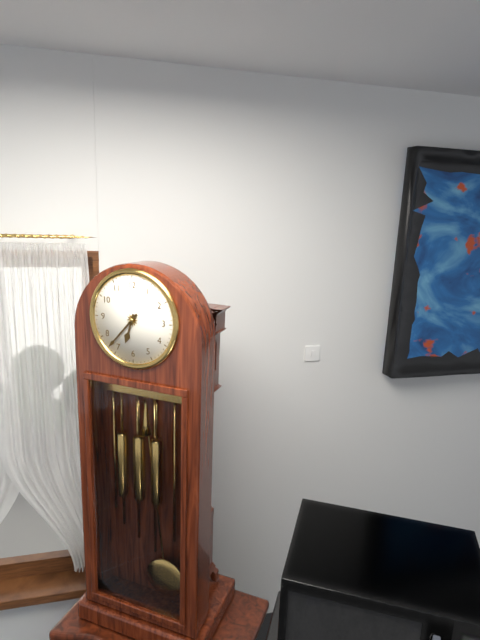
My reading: 6:37
